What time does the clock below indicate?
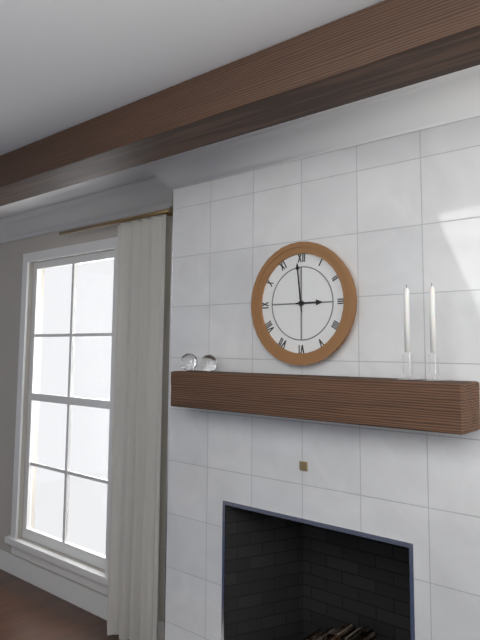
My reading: 2:59
